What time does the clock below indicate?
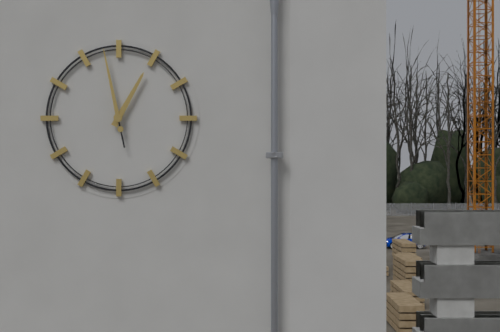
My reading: 12:58
